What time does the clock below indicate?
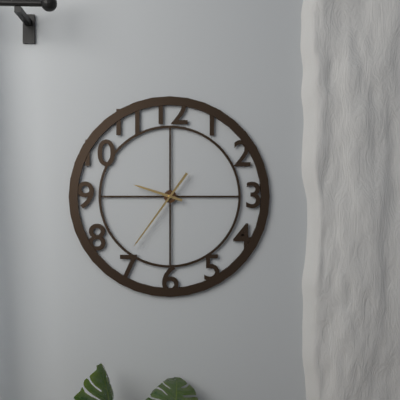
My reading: 9:36
